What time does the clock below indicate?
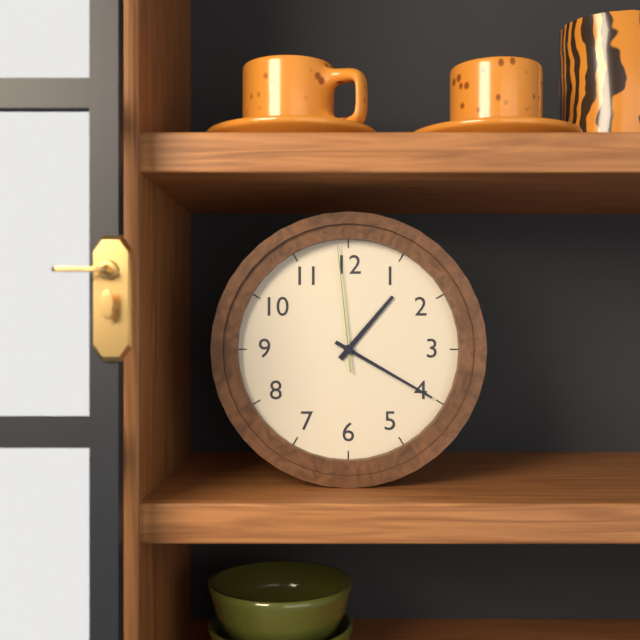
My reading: 1:20:59
